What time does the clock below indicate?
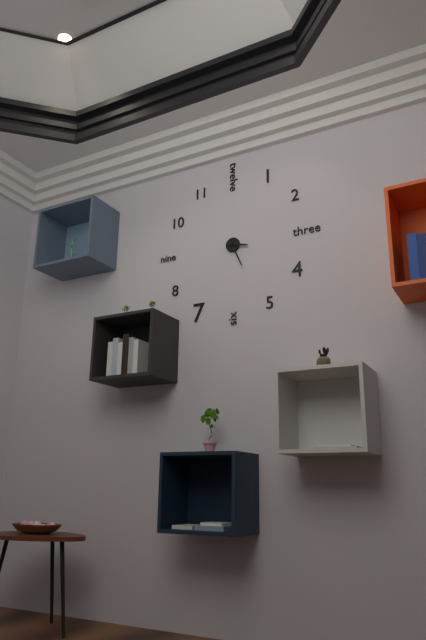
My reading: 3:26
